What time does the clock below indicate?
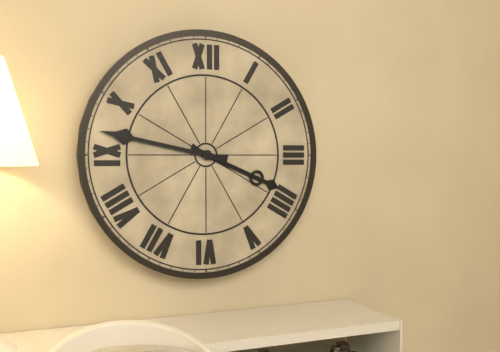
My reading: 3:47
